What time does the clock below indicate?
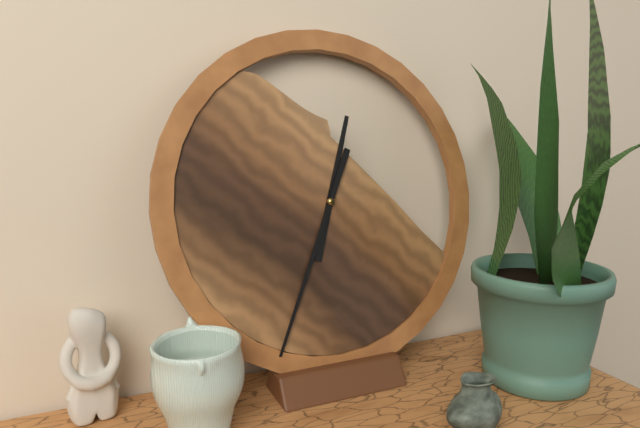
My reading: 12:34
